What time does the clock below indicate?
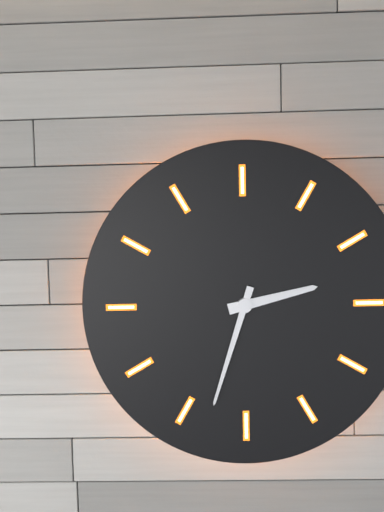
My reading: 2:33
